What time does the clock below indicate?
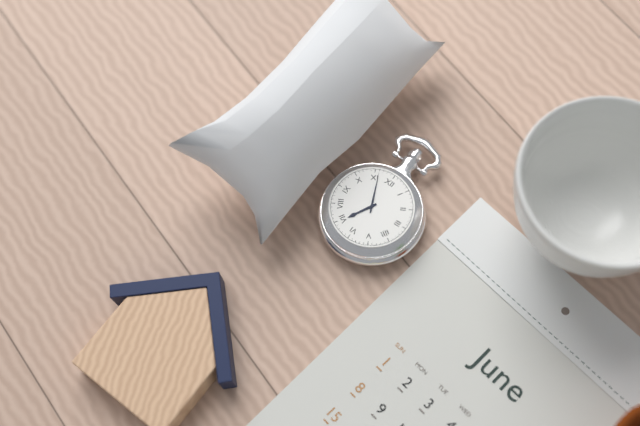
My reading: 6:56
